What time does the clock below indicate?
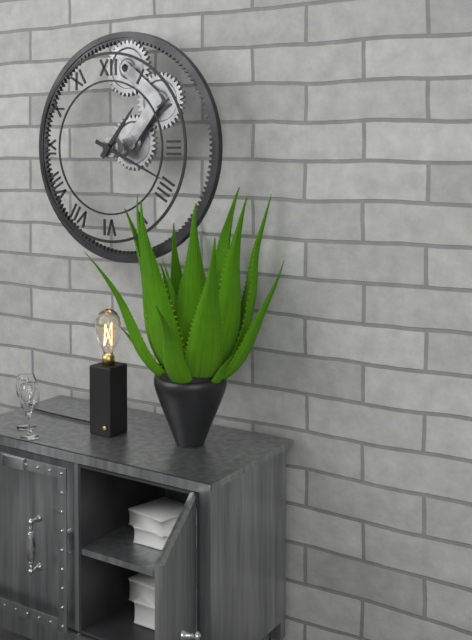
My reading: 1:19
